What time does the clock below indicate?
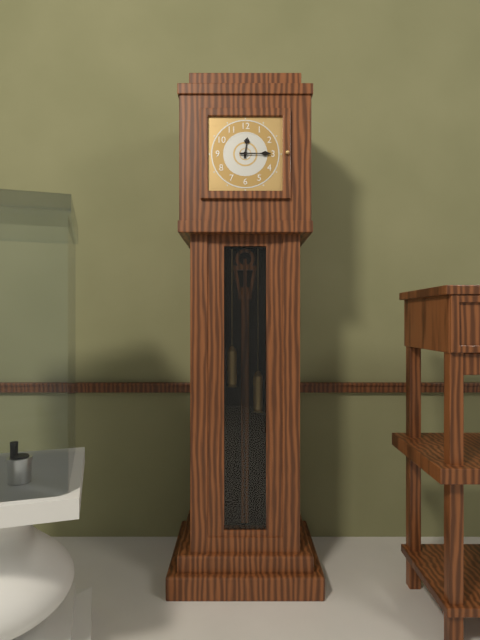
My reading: 12:15
